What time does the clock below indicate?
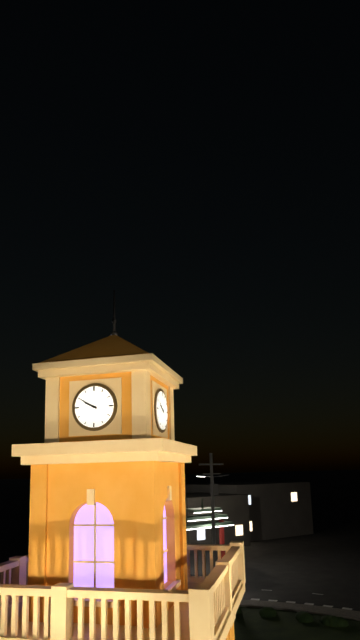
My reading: 9:50
